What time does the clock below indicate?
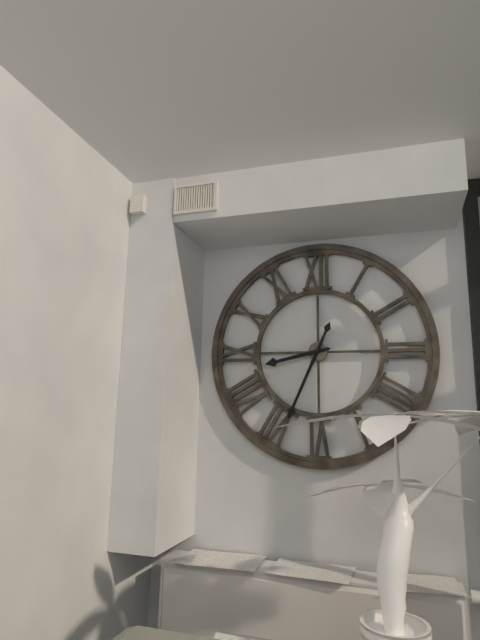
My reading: 8:34
